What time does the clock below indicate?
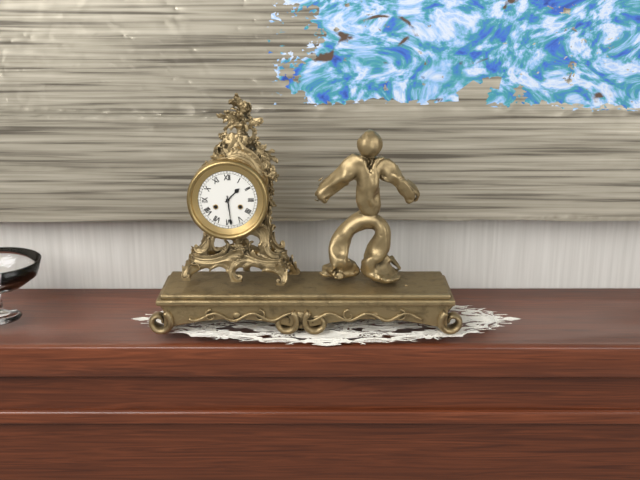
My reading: 1:29
